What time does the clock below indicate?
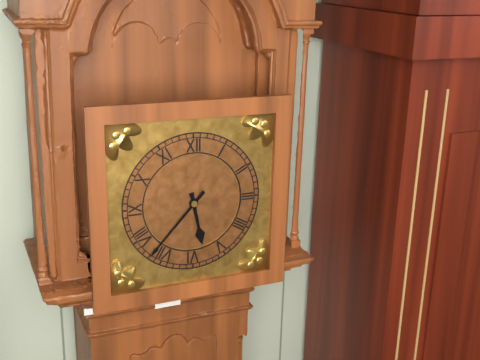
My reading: 5:37
